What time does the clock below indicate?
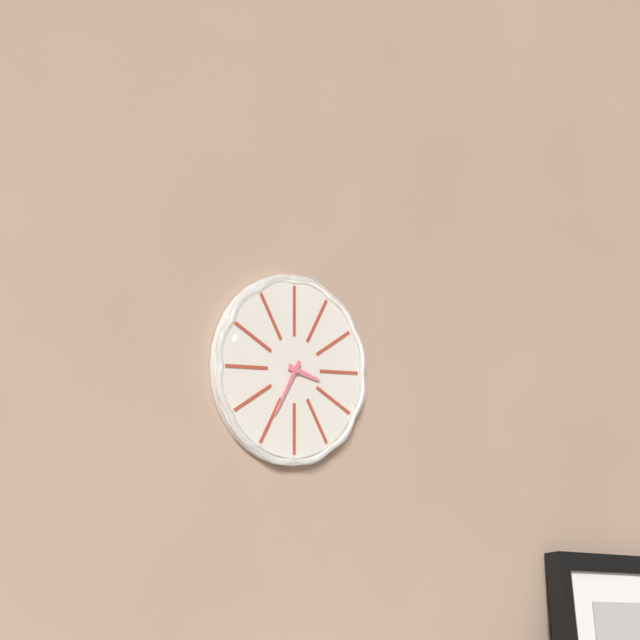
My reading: 3:35
